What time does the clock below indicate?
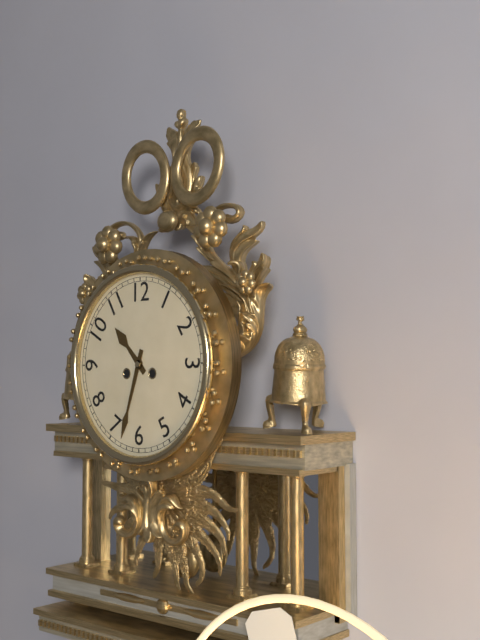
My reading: 10:33
